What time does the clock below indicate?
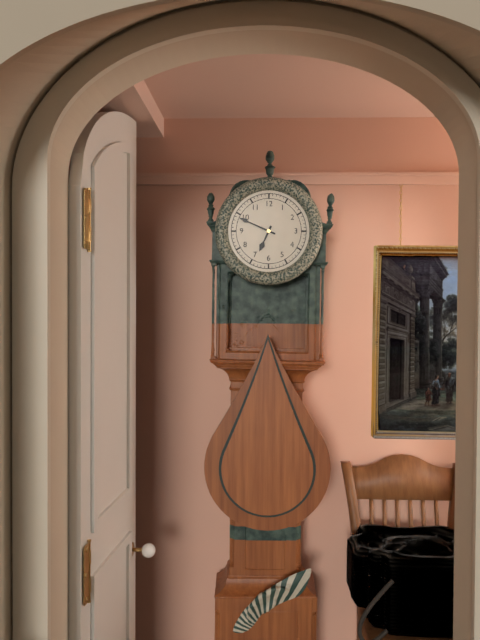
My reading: 6:49
